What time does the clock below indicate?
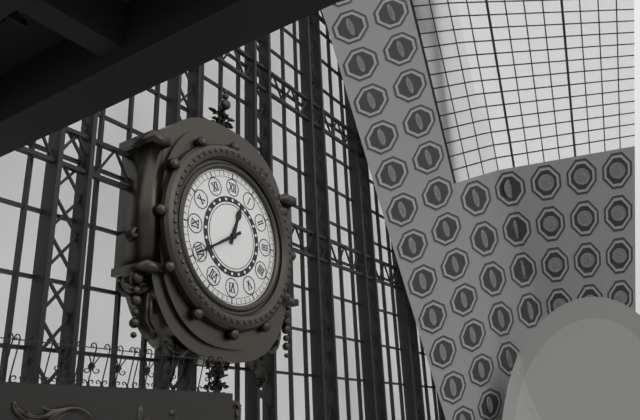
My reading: 12:40
